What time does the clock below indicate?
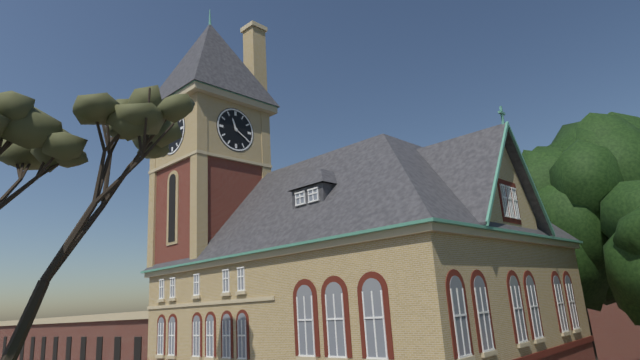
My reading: 11:20
